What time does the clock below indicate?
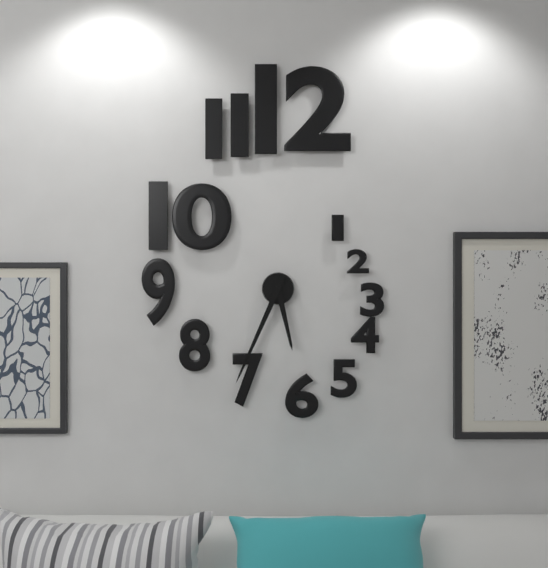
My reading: 5:34
